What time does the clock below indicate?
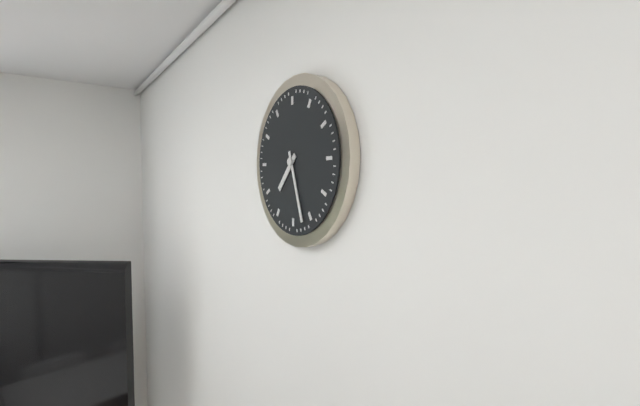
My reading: 7:27
